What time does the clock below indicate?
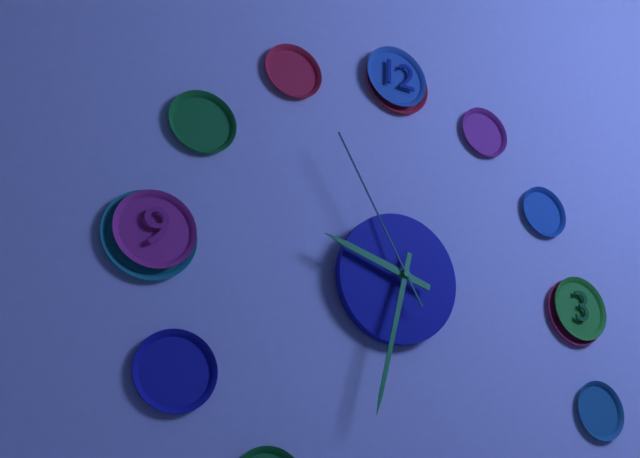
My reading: 9:32:55
